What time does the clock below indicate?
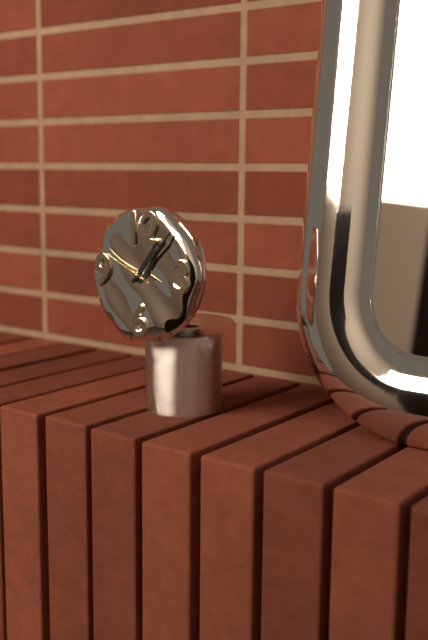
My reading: 1:07:49
